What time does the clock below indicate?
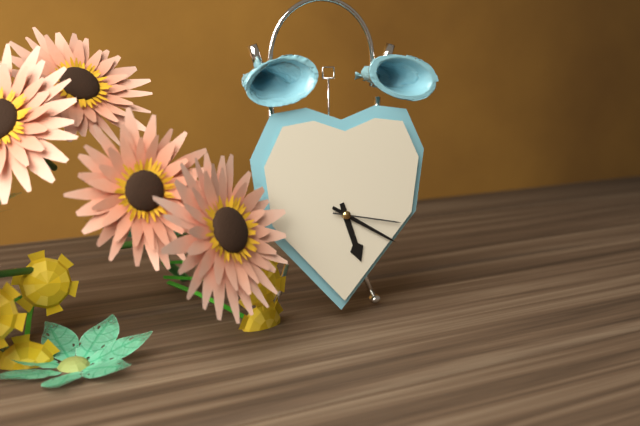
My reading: 5:20:17
